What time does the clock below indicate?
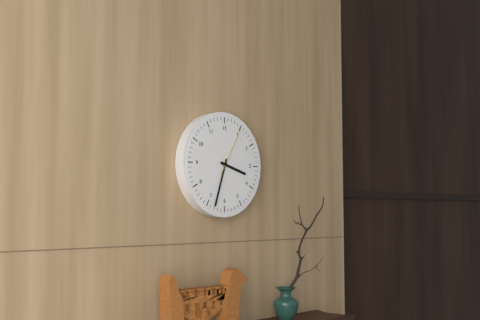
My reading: 3:33
